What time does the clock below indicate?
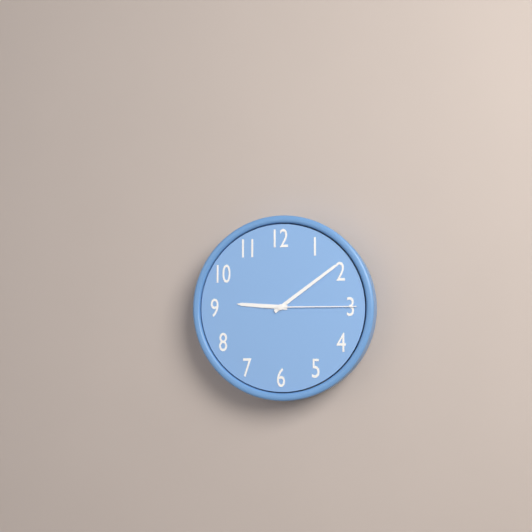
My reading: 9:09:15
